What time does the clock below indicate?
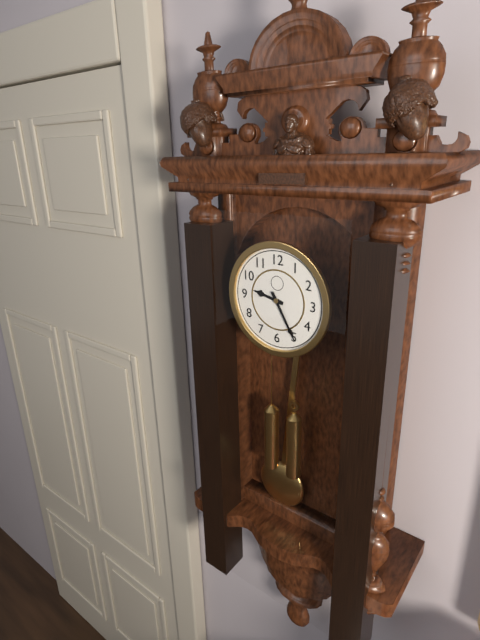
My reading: 9:25
